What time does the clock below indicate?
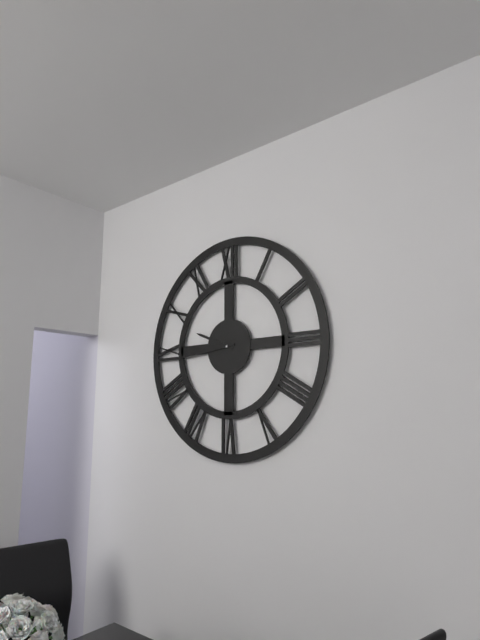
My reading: 9:44
